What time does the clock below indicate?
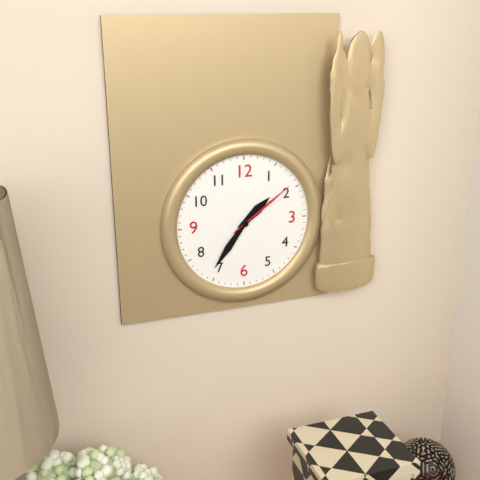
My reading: 1:36:09
